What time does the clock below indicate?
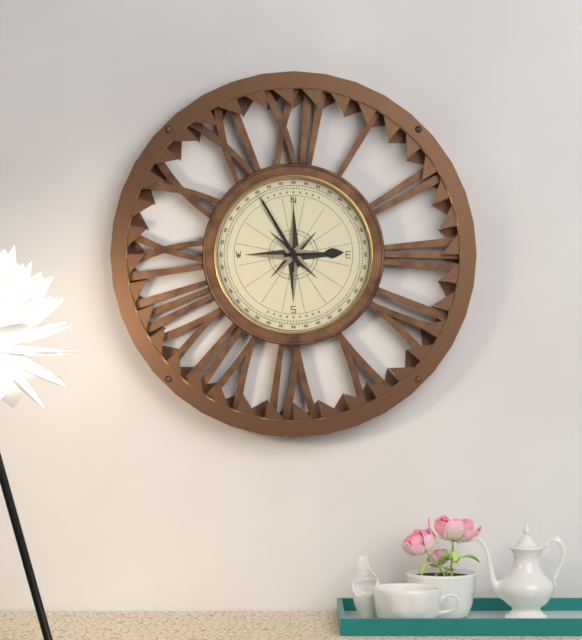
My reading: 2:55:00
